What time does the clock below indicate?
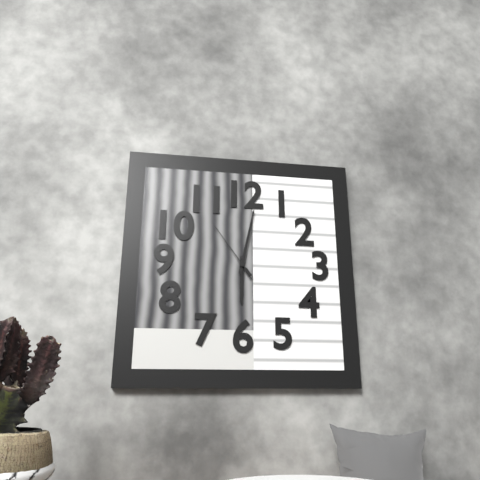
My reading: 6:02:54
